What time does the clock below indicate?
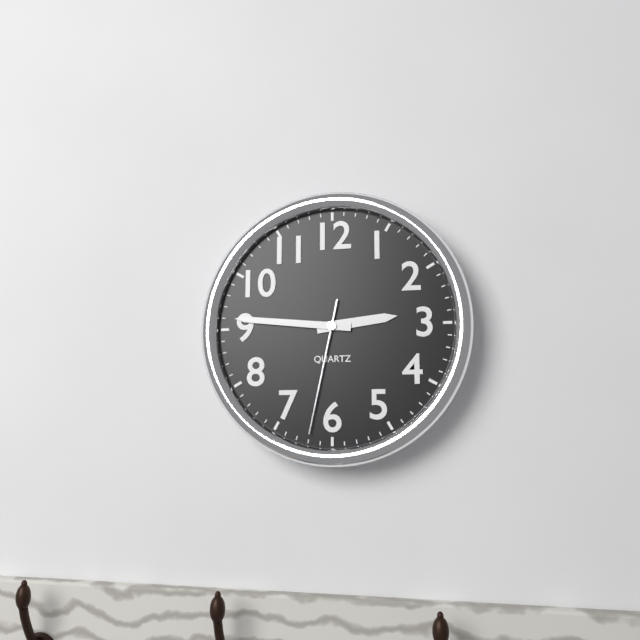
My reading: 2:46:32
